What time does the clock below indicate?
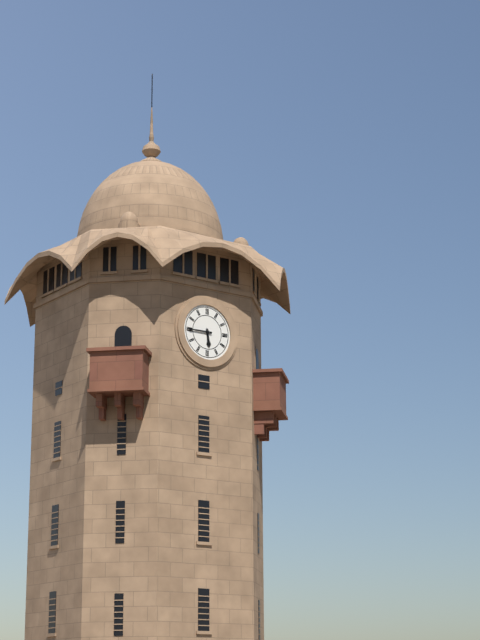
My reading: 5:45
